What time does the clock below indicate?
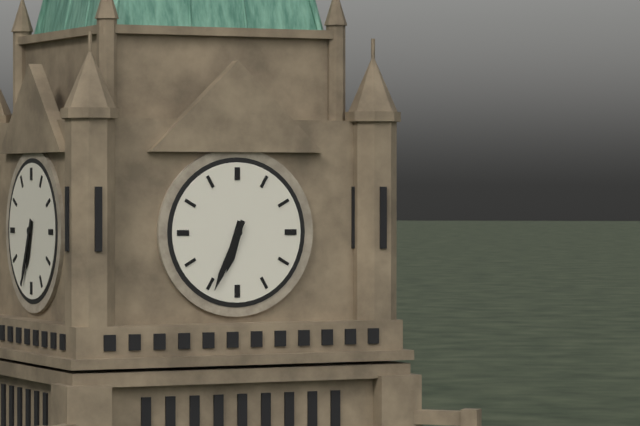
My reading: 6:34
